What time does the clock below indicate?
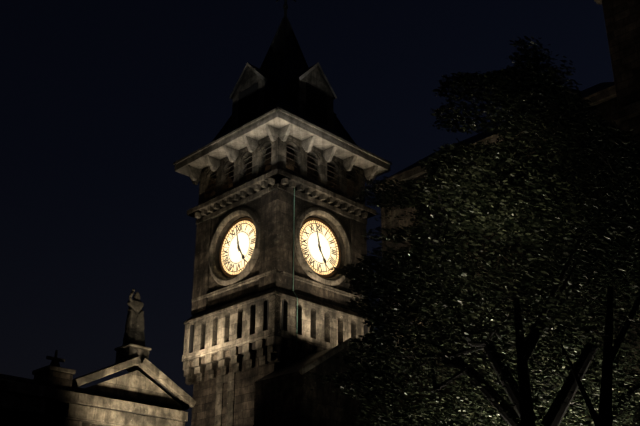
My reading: 4:58
